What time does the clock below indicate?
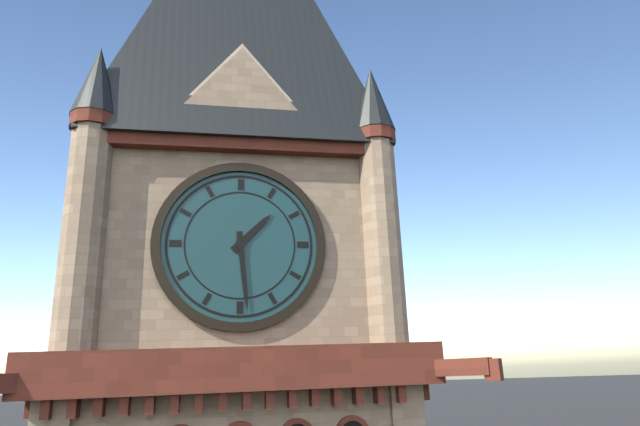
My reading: 1:29
